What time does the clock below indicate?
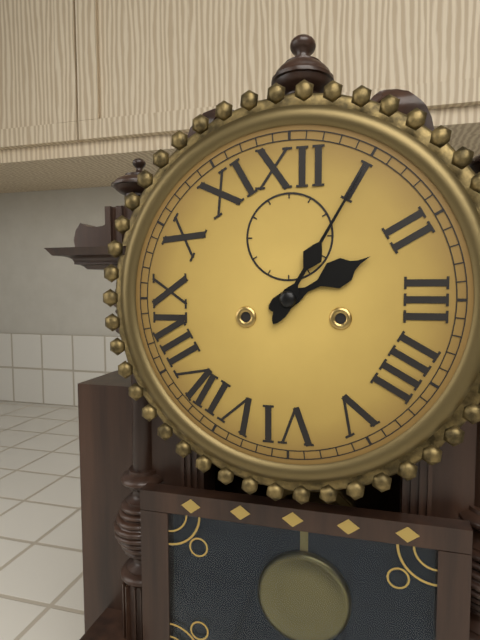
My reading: 2:05
